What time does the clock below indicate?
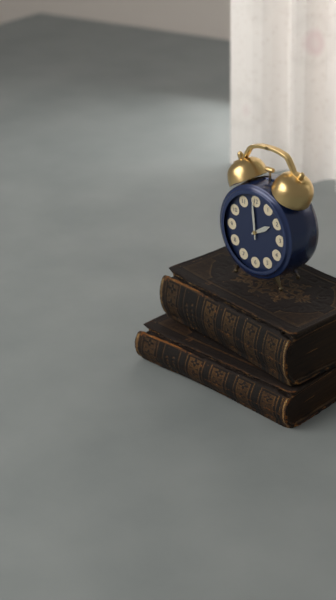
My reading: 1:59
